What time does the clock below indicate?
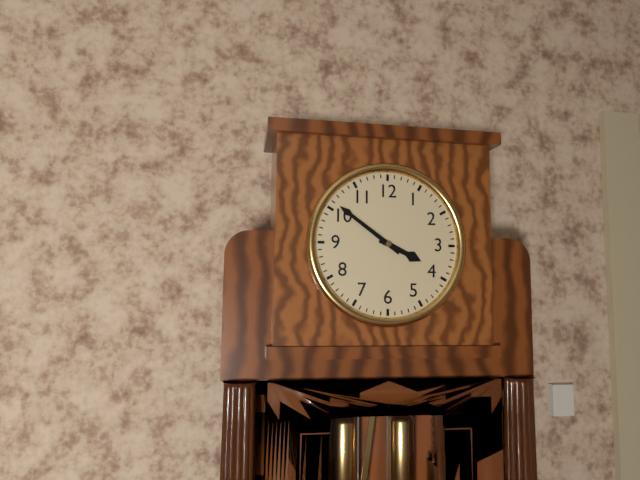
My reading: 3:51
